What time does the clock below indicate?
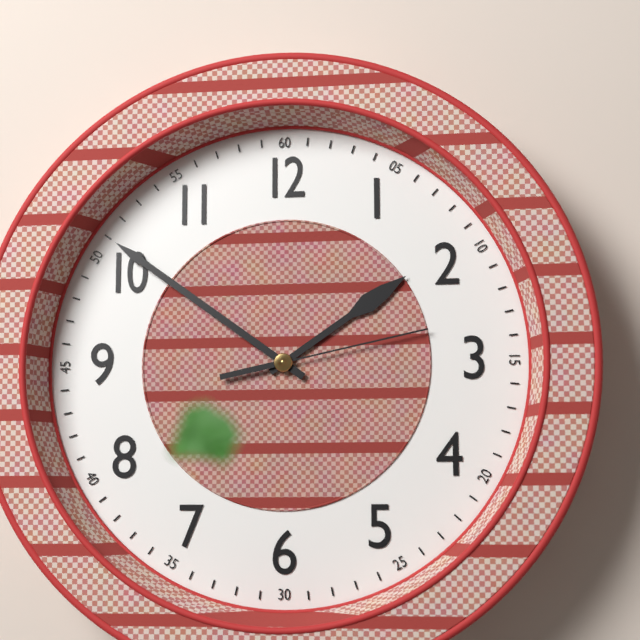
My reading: 1:51:13
